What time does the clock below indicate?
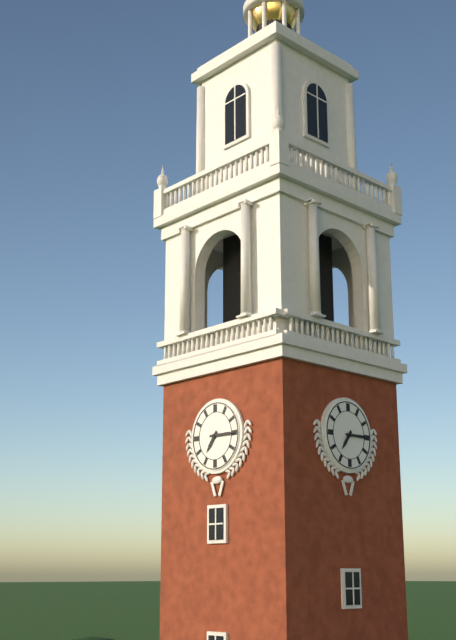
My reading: 7:15
